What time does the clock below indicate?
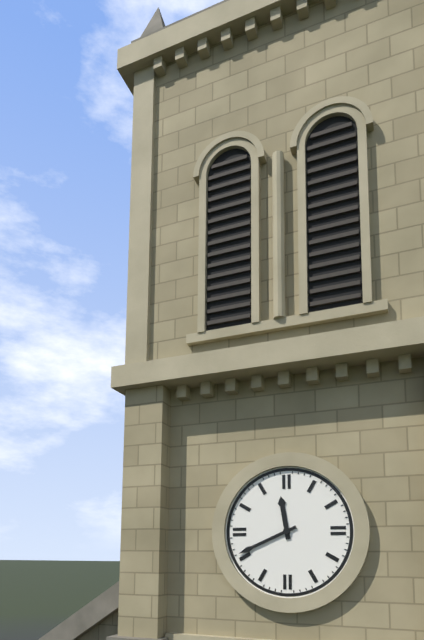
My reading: 11:41
